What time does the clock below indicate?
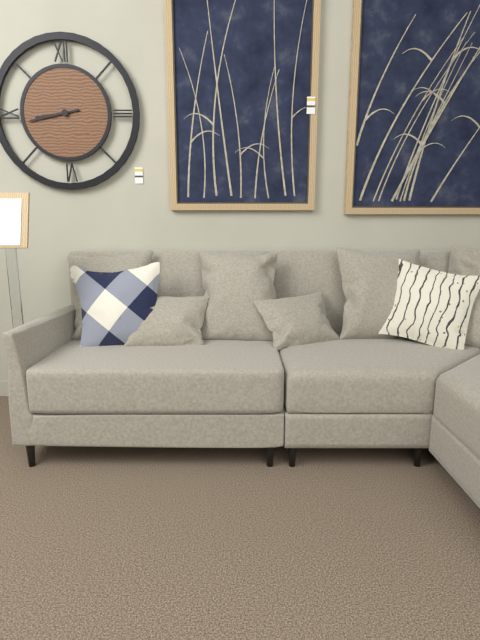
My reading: 8:43
